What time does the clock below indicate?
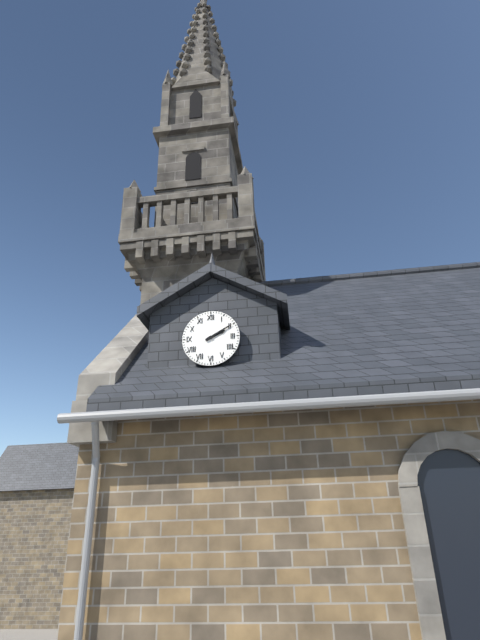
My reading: 2:10
